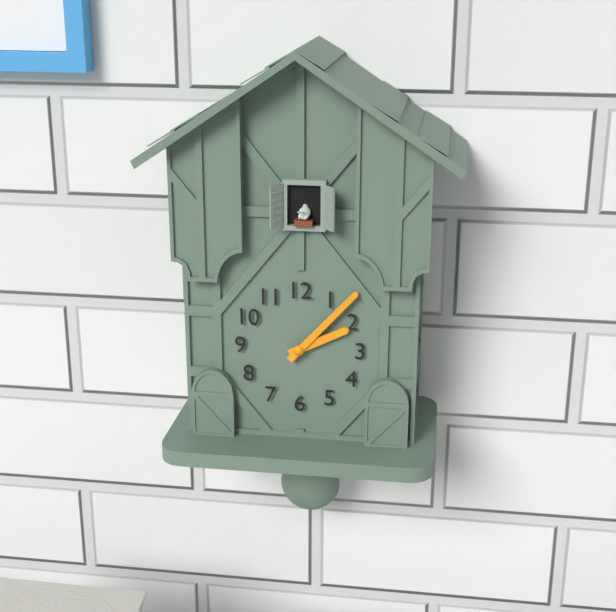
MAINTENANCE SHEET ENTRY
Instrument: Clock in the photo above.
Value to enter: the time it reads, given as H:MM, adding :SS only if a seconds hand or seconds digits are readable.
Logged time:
2:07
